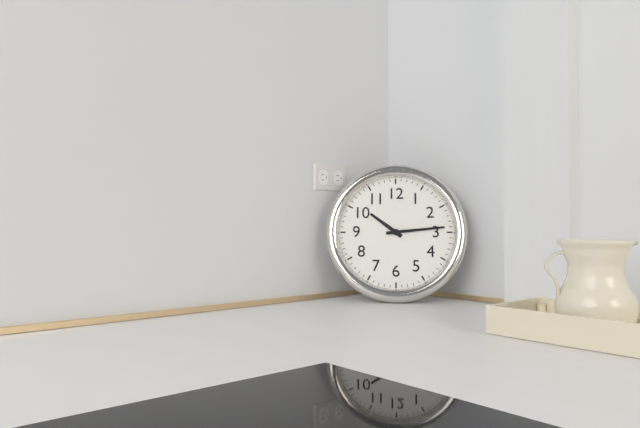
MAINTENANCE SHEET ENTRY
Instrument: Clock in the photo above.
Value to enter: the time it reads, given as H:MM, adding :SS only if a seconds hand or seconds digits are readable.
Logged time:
10:14
